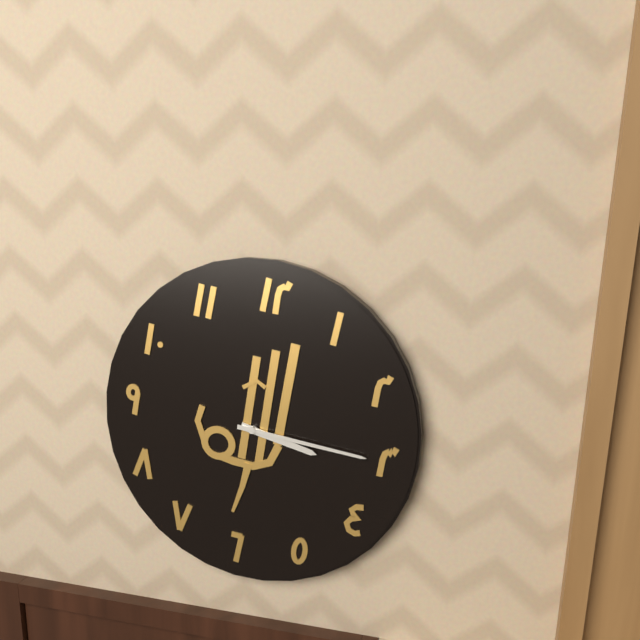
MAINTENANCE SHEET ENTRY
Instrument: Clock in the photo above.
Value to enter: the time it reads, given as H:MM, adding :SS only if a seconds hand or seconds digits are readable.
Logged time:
3:15
